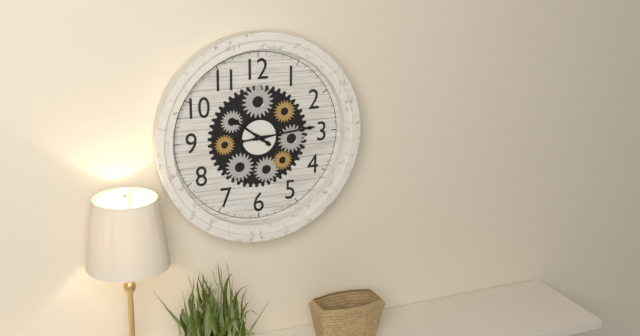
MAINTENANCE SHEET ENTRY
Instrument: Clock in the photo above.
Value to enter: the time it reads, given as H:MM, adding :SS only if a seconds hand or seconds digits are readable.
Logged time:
10:14
